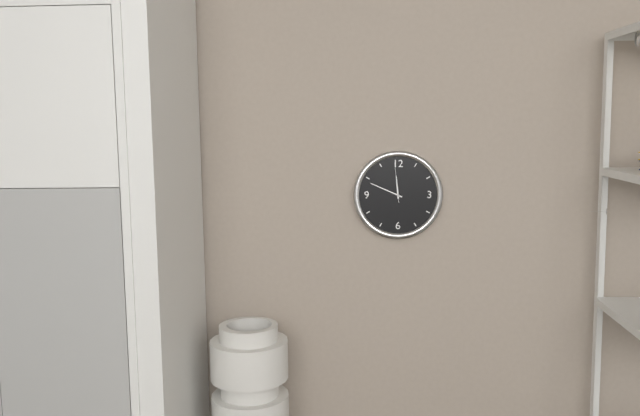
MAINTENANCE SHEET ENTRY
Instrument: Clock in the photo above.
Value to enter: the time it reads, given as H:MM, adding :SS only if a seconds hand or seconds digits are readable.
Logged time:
11:49
